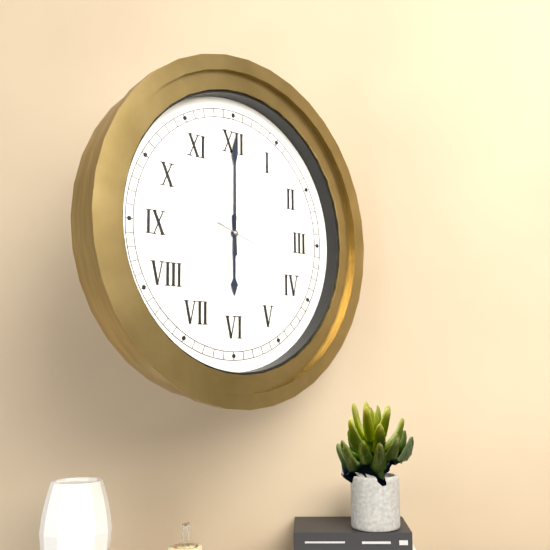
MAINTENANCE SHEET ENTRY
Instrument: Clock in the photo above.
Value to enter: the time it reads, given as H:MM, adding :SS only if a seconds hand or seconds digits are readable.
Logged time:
6:00:18
